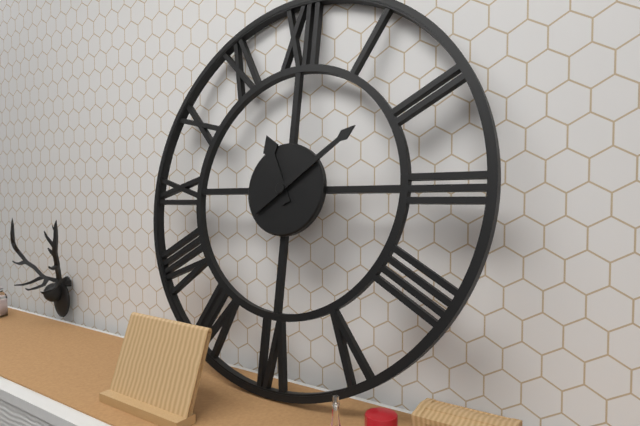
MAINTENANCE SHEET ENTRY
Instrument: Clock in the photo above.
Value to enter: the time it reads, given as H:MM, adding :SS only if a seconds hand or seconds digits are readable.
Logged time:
11:09
